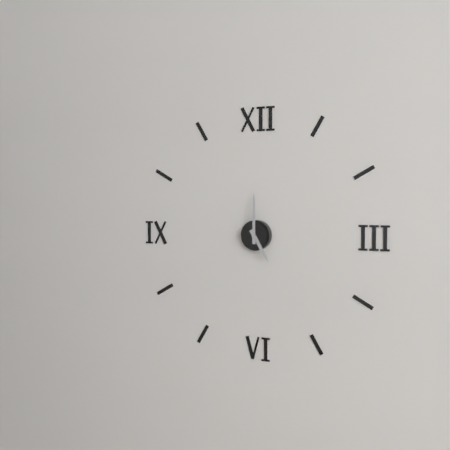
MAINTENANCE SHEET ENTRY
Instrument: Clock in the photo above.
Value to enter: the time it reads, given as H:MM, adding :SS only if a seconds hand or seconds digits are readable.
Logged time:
5:00
